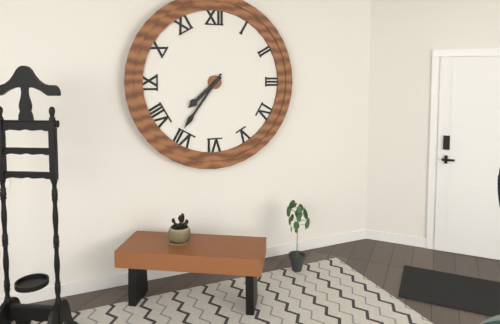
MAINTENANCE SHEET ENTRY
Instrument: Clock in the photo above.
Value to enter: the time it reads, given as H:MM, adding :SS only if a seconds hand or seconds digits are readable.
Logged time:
7:36
